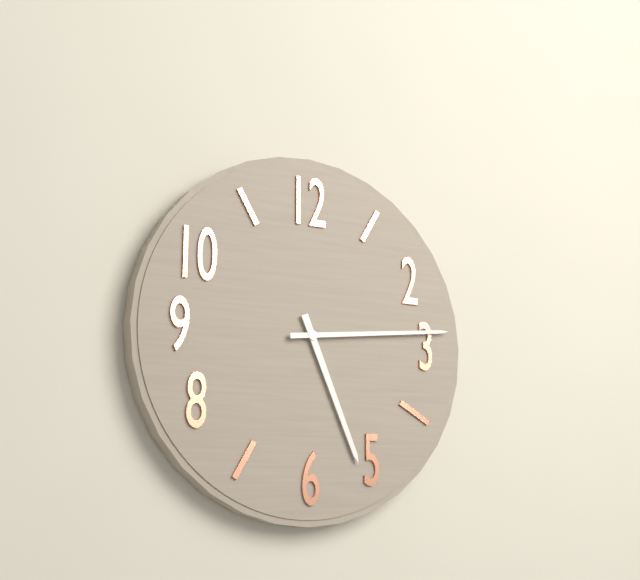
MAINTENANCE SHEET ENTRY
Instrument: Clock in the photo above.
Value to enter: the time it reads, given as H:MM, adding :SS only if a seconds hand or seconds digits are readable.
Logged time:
5:14
